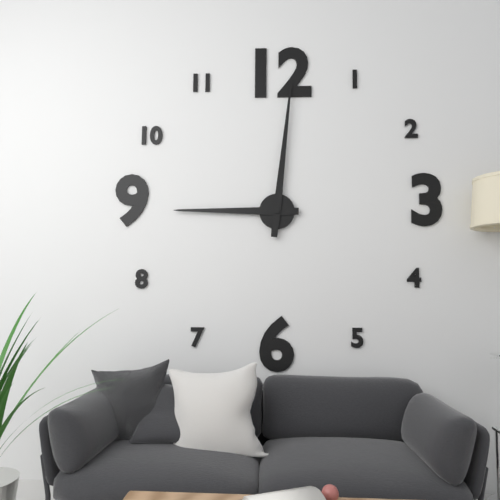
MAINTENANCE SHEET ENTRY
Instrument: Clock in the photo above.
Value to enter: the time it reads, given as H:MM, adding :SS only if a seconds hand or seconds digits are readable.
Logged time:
9:01
